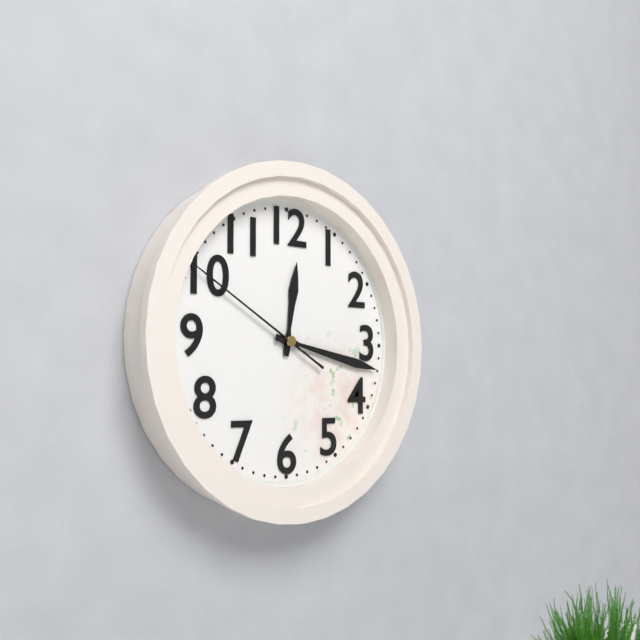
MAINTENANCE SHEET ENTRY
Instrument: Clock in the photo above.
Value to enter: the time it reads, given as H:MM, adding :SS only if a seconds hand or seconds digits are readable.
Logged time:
12:17:50
